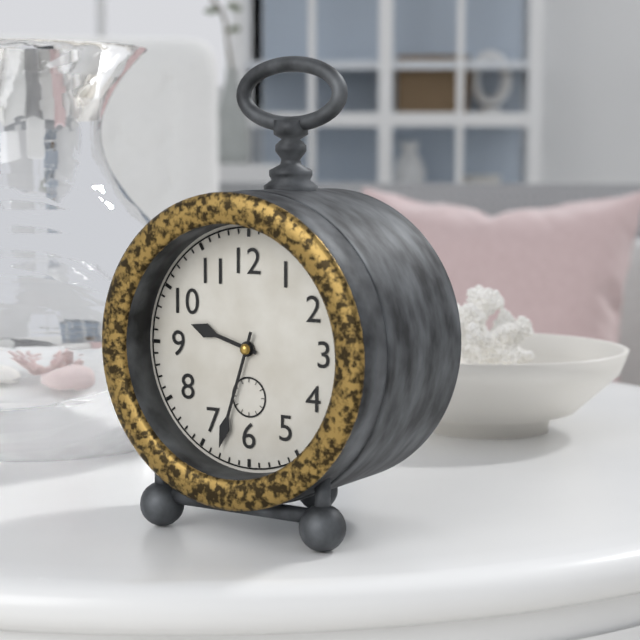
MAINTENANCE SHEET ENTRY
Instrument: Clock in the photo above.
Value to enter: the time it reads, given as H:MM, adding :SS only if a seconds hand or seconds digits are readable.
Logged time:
9:33
